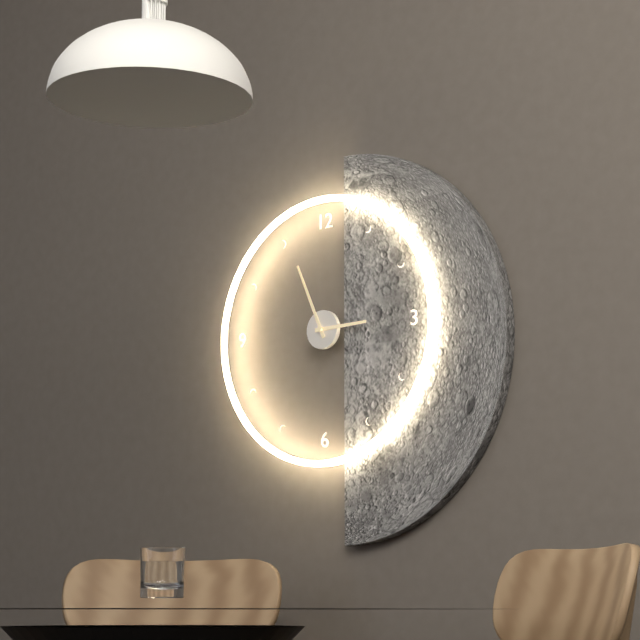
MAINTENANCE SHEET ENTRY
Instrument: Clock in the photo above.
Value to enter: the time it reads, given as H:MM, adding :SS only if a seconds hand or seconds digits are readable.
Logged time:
2:56
